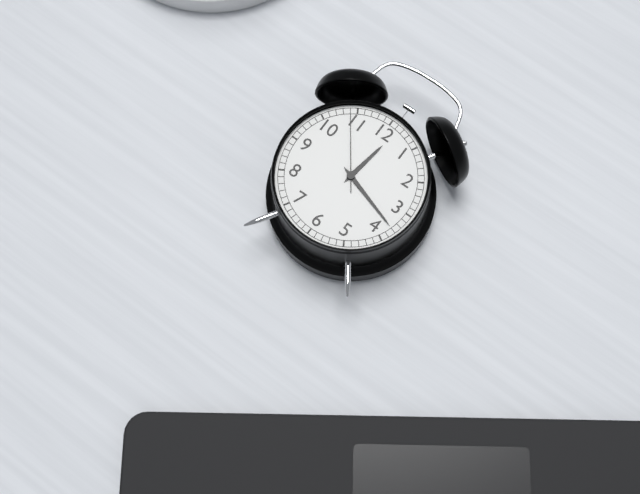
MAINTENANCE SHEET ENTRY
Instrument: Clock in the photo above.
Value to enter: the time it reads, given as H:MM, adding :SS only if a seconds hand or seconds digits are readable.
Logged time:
12:18:54
